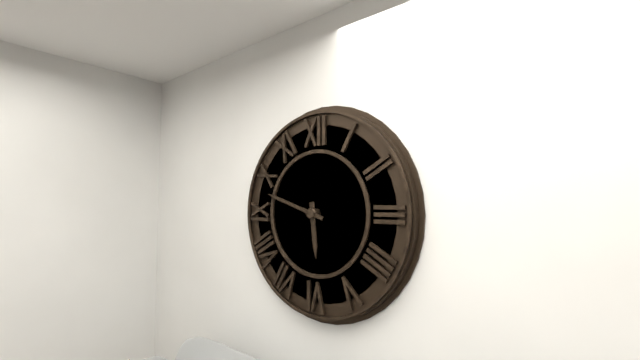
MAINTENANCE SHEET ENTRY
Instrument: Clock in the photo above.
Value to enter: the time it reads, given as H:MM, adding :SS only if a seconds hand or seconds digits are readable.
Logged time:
5:48
